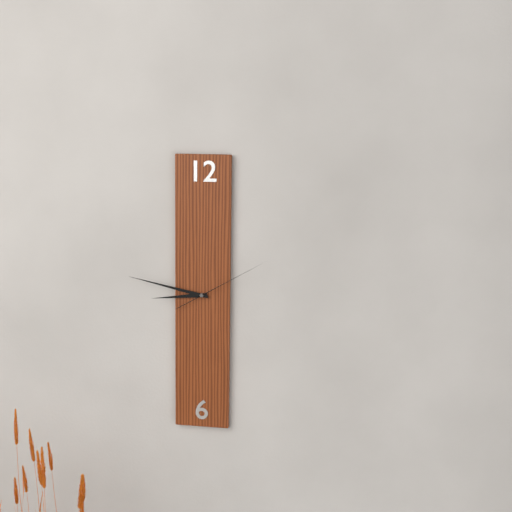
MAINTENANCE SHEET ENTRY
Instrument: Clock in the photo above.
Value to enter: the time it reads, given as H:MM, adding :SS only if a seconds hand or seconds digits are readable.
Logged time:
8:47:10
